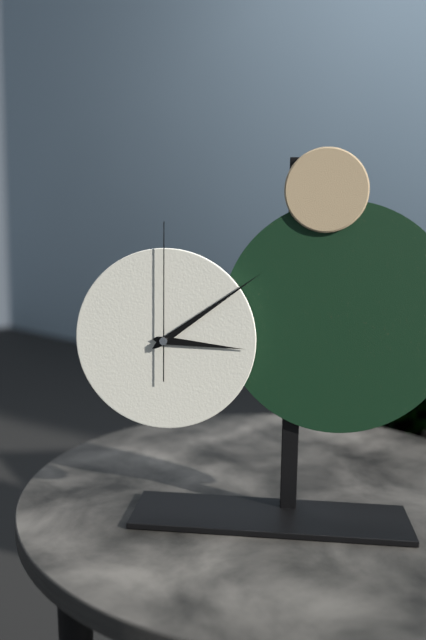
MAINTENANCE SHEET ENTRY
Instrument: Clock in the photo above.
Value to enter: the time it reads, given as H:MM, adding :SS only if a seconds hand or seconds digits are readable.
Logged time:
3:09:00
